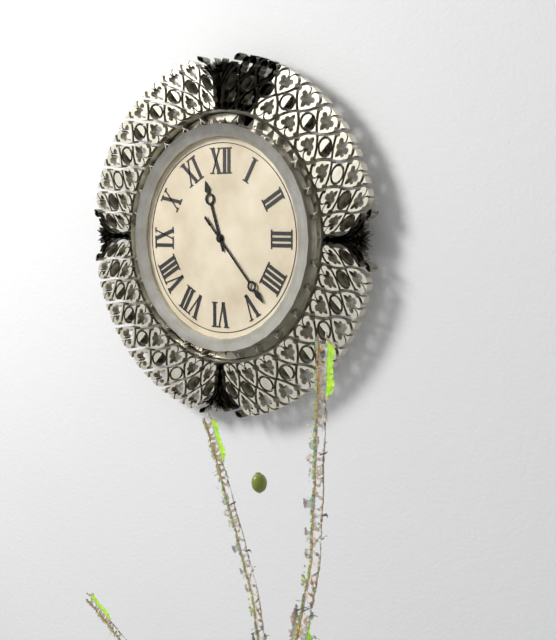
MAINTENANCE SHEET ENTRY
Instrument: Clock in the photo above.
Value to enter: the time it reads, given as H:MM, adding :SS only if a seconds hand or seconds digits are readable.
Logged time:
11:23
